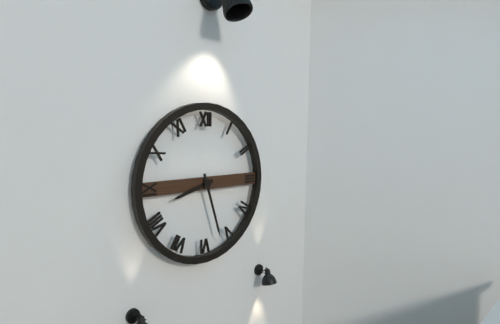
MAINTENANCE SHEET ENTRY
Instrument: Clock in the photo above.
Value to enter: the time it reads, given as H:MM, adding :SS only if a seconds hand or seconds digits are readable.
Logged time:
8:27
